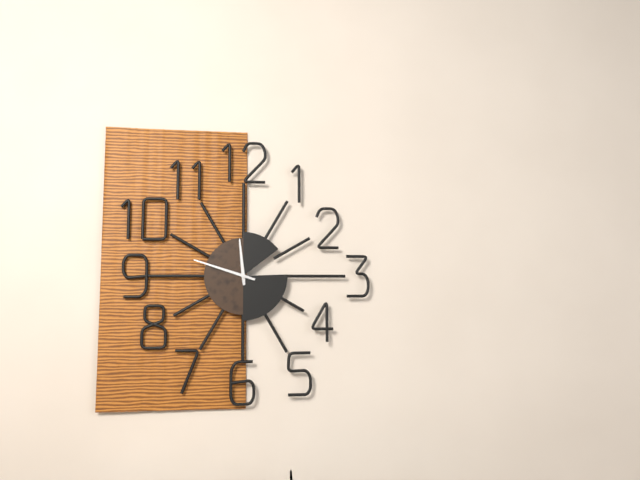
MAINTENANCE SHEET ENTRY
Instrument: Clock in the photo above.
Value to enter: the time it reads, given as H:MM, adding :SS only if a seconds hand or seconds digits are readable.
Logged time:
11:48
